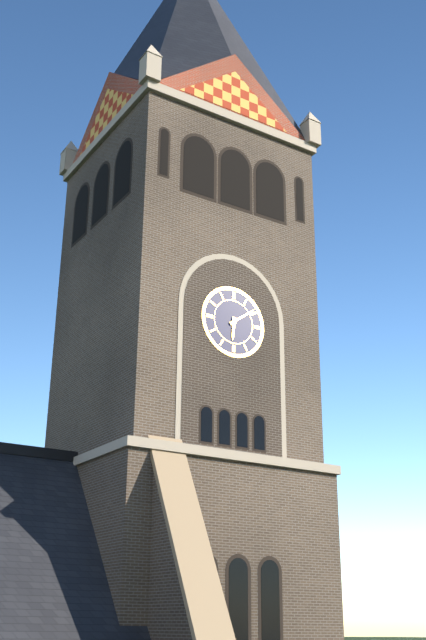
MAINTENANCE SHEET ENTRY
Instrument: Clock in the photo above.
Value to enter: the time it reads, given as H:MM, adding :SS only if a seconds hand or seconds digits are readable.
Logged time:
6:09
